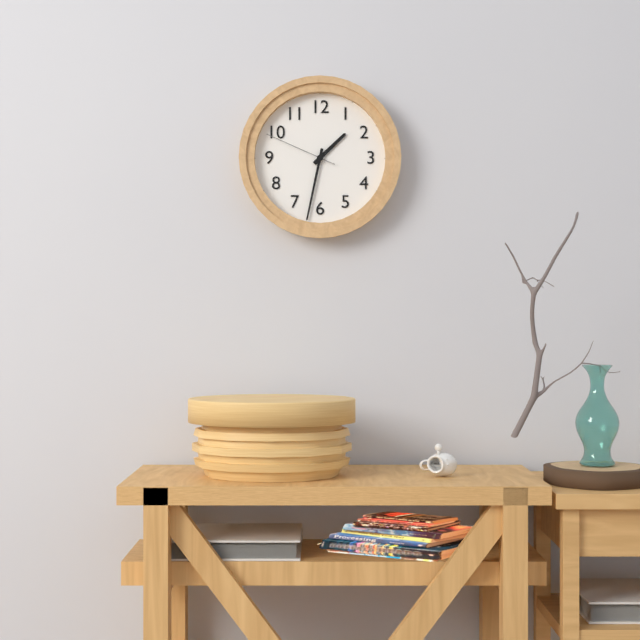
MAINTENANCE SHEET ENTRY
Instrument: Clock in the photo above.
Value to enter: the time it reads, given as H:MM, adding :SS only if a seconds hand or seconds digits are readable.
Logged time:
1:32:49
